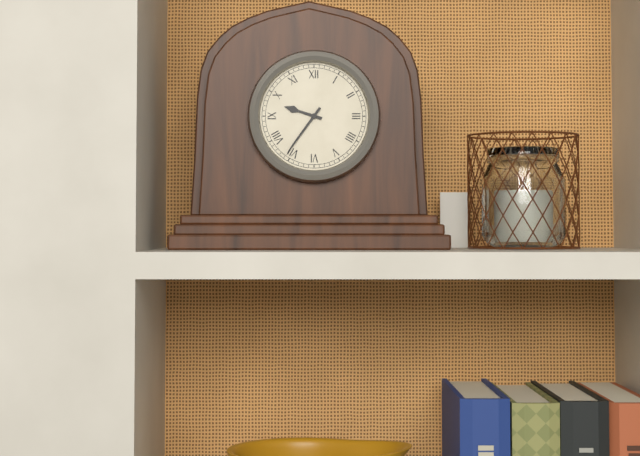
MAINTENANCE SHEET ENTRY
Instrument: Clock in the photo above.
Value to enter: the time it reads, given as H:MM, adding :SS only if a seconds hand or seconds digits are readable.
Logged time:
9:36
